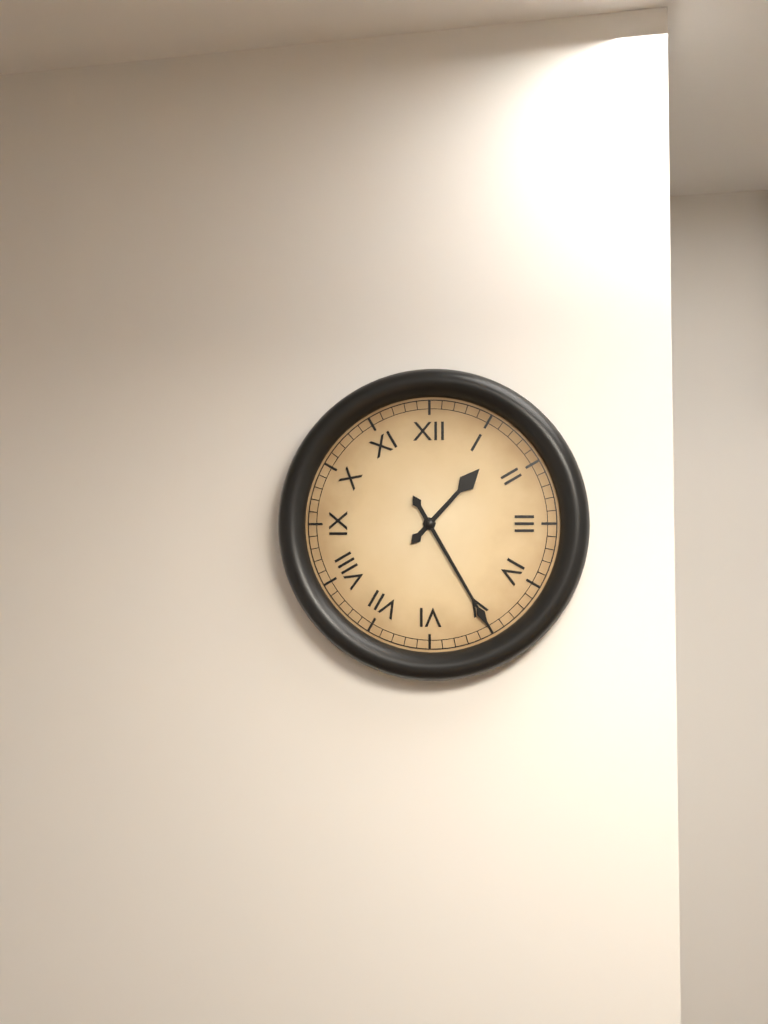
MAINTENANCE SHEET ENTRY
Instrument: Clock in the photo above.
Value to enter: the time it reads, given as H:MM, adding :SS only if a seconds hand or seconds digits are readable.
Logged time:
1:25
